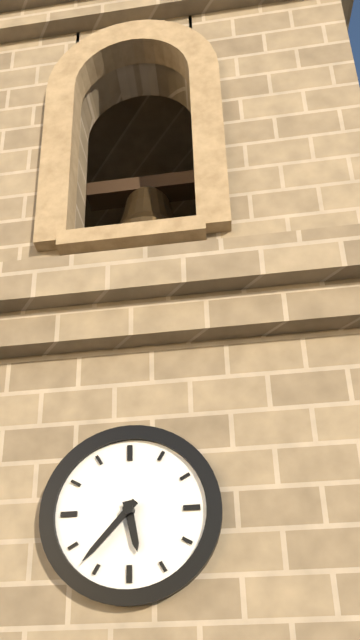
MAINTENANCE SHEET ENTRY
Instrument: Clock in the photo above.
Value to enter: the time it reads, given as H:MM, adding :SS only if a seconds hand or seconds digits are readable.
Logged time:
5:37
